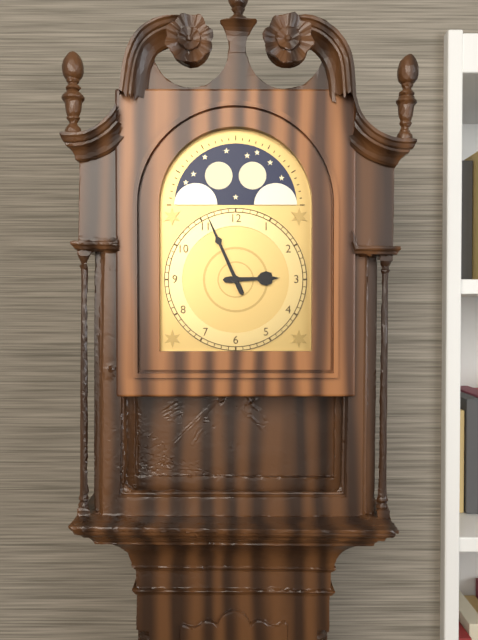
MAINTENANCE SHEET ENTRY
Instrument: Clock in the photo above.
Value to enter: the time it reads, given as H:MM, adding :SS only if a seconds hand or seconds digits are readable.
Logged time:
2:56
